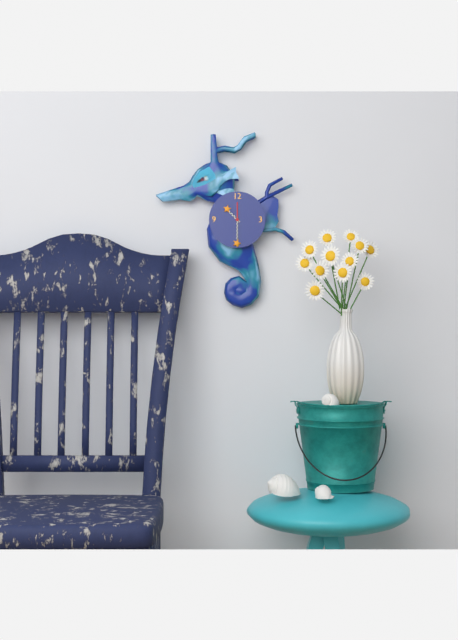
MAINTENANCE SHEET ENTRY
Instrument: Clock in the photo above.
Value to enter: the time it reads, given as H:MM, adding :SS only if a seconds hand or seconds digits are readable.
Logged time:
10:30
